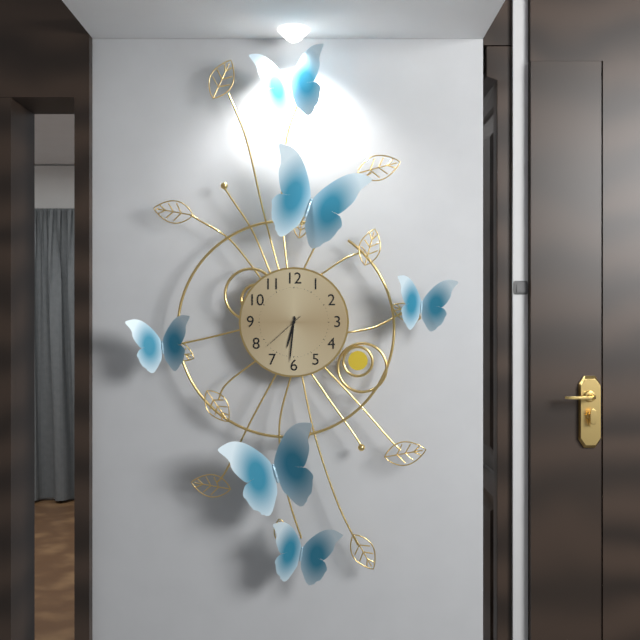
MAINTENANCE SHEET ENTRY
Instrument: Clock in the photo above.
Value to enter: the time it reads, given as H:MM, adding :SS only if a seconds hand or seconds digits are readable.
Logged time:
6:31
